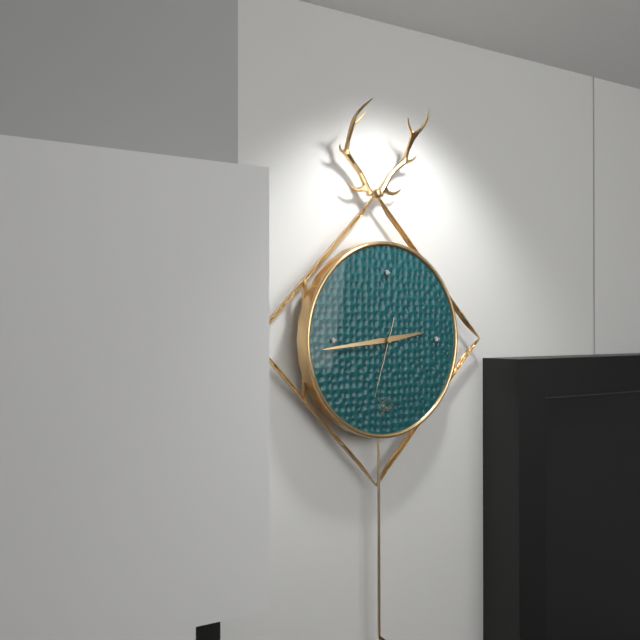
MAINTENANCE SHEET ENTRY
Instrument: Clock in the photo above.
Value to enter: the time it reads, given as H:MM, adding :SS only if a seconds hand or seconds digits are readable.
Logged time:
2:44:33
